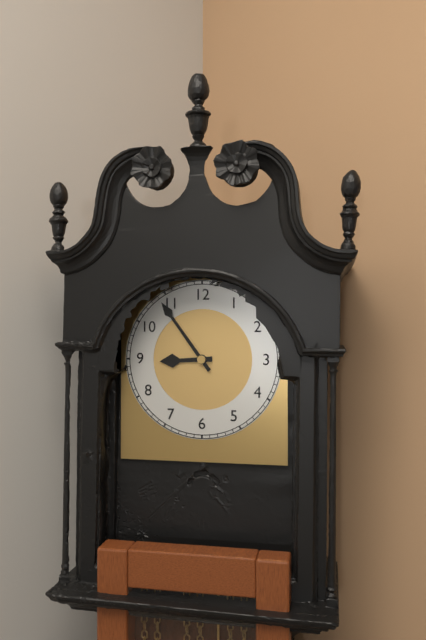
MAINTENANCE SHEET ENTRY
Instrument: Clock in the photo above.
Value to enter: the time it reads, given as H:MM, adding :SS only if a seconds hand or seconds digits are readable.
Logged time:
8:54
